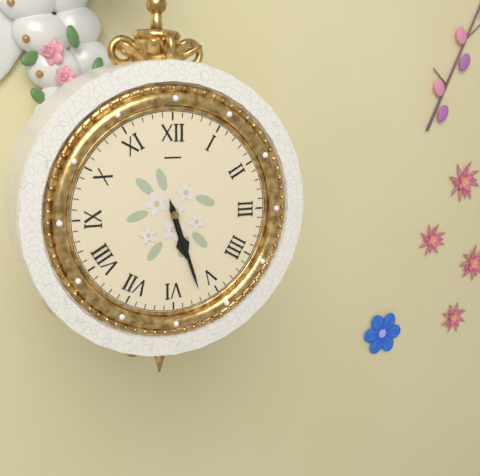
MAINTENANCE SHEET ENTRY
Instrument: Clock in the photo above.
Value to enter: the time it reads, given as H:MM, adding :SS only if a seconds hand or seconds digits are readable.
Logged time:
5:27
